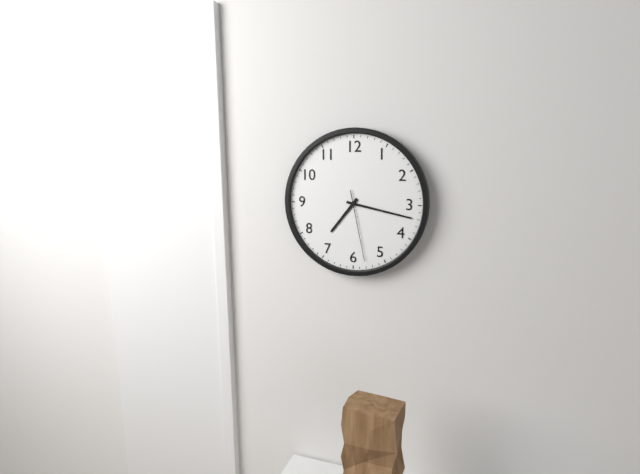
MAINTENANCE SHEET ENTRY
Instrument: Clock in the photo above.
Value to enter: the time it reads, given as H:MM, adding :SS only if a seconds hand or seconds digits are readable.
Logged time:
7:17:28
